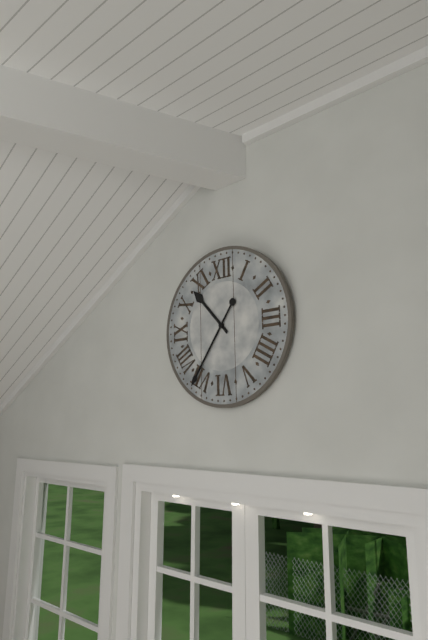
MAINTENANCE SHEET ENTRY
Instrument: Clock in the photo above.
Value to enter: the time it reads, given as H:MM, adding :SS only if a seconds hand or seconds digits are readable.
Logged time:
10:36
